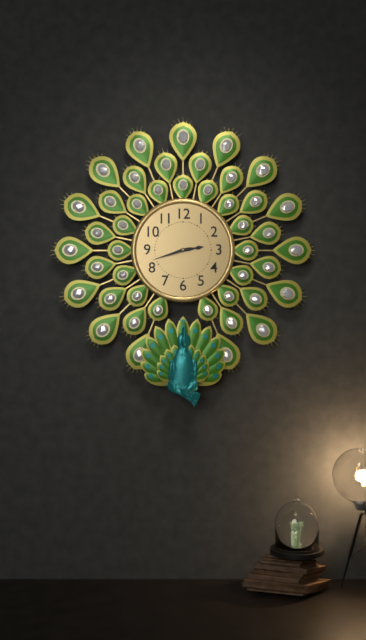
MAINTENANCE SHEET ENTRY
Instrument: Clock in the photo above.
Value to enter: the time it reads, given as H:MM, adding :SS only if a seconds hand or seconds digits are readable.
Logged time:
2:42
